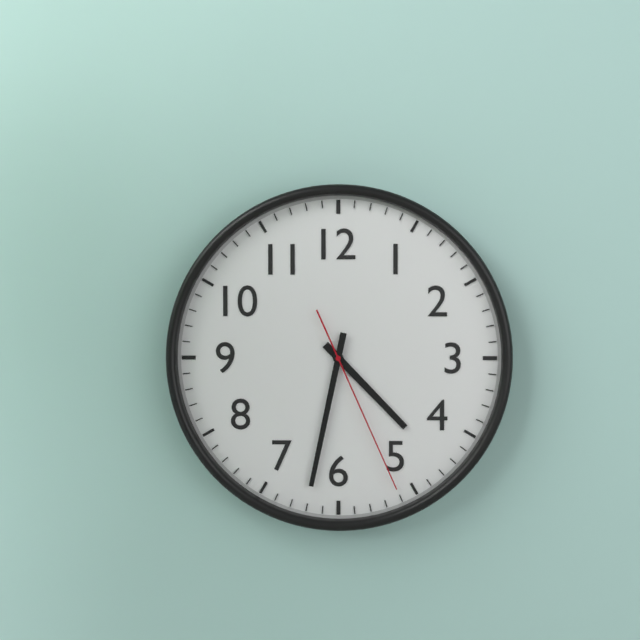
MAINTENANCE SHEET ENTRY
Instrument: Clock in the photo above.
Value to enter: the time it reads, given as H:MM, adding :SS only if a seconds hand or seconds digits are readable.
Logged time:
4:32:26
